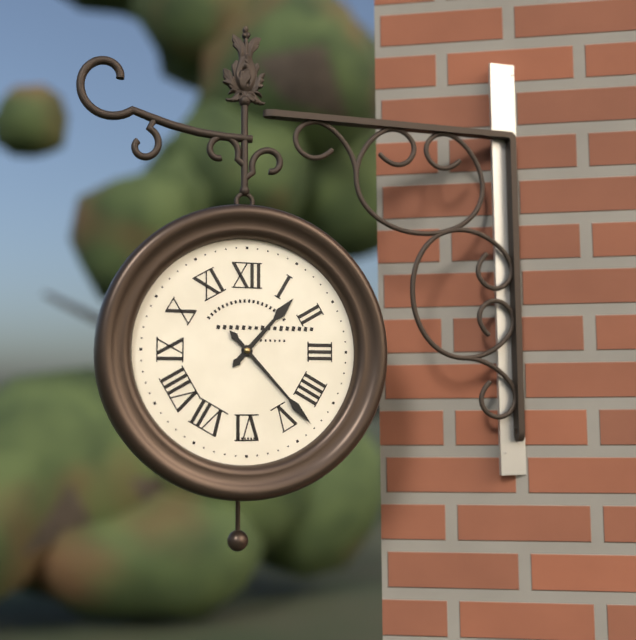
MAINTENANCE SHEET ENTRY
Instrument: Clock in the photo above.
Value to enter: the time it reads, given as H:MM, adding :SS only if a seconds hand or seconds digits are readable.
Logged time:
1:23
